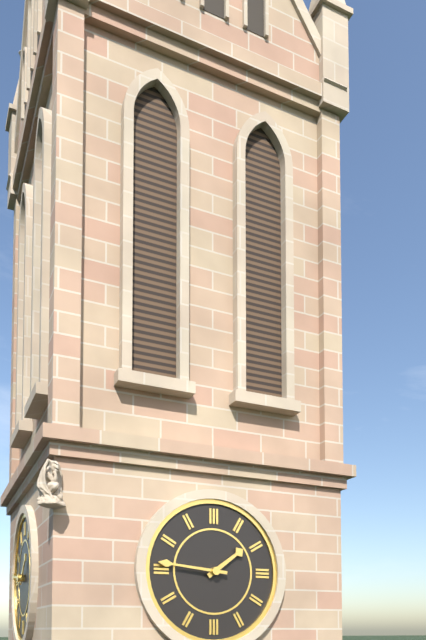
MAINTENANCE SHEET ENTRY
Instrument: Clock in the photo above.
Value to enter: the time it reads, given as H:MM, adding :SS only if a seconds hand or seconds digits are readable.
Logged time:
1:46
